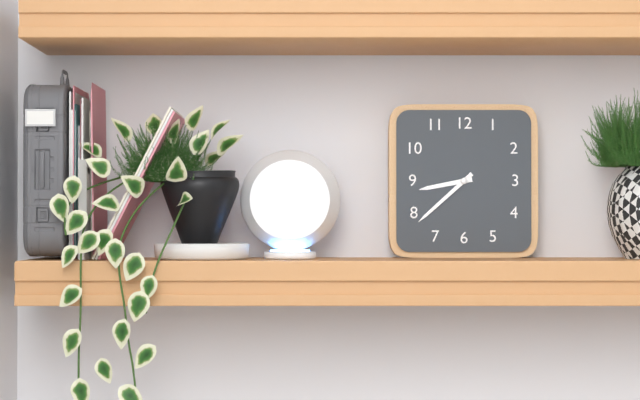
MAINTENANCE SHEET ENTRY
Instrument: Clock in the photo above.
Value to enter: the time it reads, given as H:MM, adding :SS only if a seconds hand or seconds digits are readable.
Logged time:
8:38
